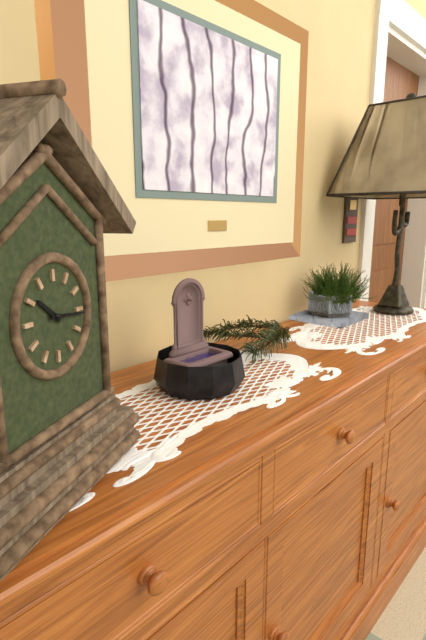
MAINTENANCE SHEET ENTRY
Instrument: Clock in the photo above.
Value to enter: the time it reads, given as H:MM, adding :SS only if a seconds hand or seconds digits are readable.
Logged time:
10:16
